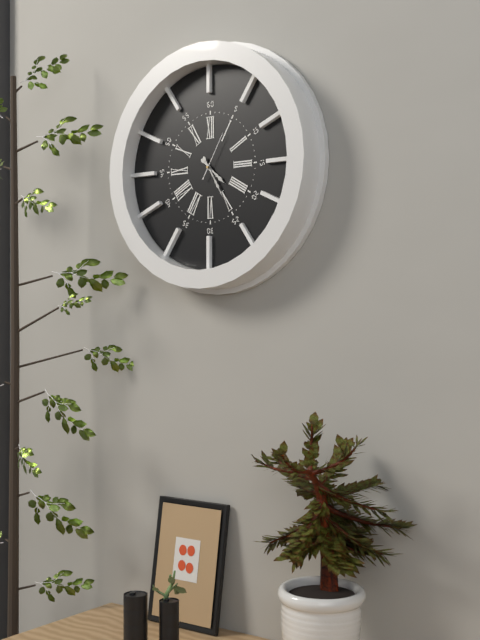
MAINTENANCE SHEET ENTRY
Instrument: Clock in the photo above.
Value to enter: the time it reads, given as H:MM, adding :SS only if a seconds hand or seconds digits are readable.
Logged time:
4:25
